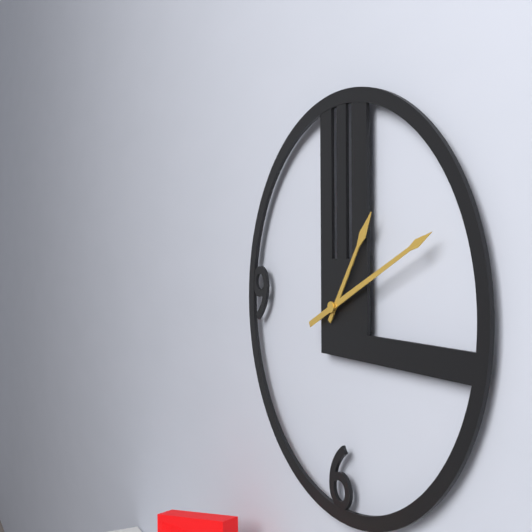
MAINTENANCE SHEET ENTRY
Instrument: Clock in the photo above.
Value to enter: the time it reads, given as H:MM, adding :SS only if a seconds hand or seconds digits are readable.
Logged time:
1:11
